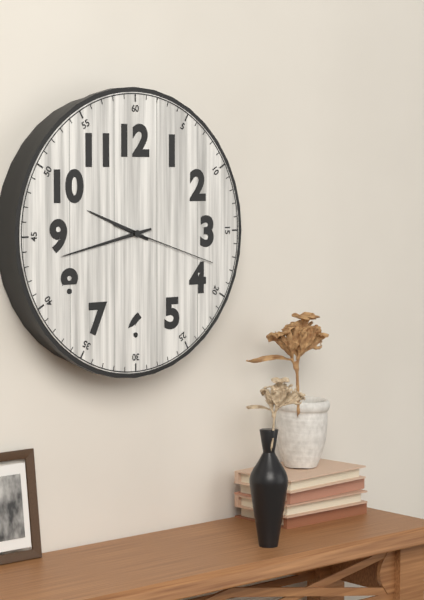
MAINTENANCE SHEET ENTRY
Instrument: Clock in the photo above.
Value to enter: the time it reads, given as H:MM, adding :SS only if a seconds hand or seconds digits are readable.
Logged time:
9:43:18
